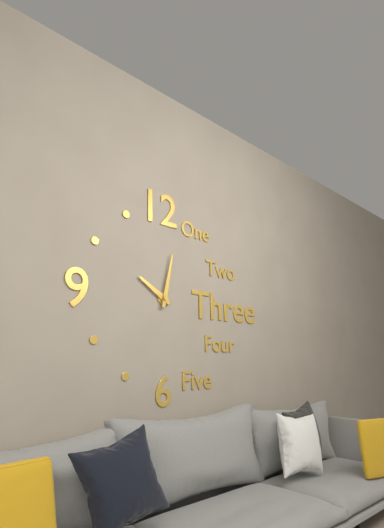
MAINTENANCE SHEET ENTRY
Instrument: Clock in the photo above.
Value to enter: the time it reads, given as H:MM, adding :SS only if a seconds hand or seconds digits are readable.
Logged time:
10:02
